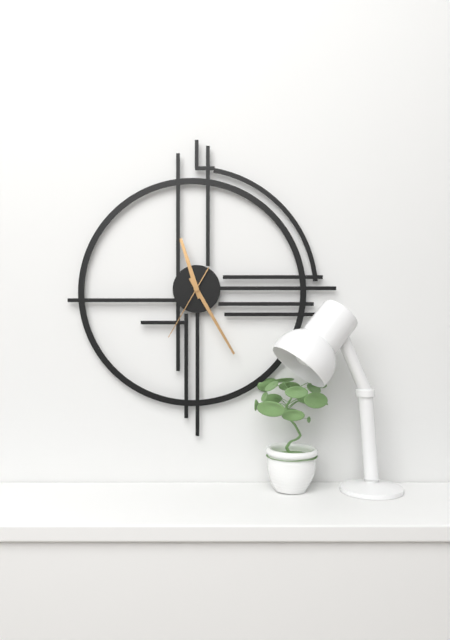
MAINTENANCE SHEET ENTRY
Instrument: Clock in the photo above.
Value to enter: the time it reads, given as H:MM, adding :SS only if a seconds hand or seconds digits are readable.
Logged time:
11:25:35
